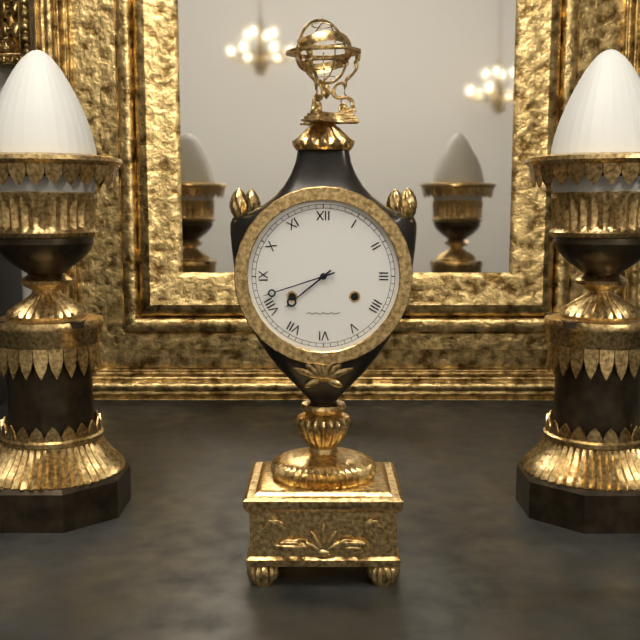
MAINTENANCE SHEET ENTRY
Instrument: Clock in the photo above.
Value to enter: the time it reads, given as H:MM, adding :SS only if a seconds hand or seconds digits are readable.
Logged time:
7:42
